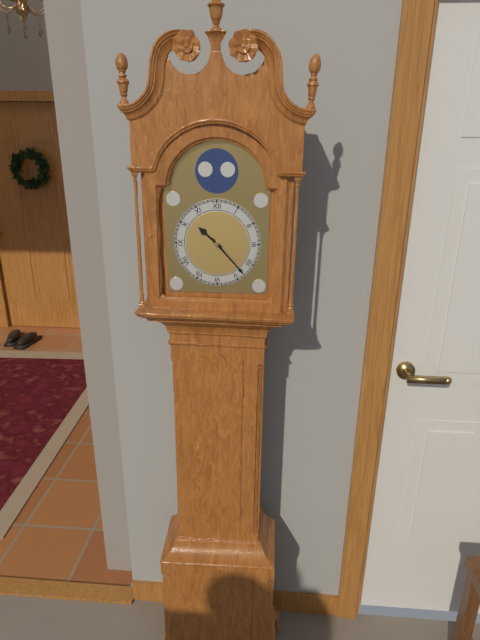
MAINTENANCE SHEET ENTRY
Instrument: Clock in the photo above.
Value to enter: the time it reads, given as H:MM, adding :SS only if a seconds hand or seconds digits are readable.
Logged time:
10:23
